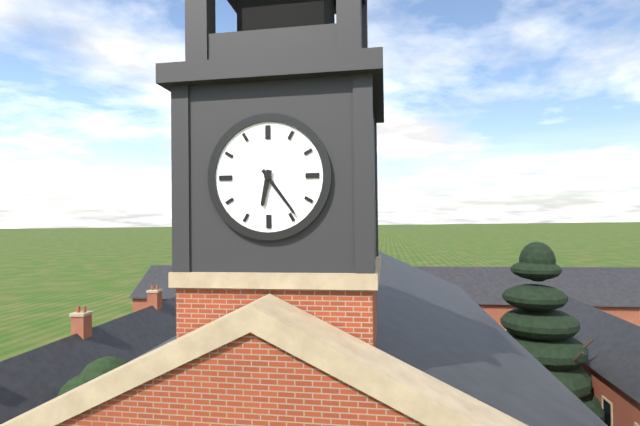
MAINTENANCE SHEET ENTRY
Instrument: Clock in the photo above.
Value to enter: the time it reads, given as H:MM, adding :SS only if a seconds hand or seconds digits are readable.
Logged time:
6:24
